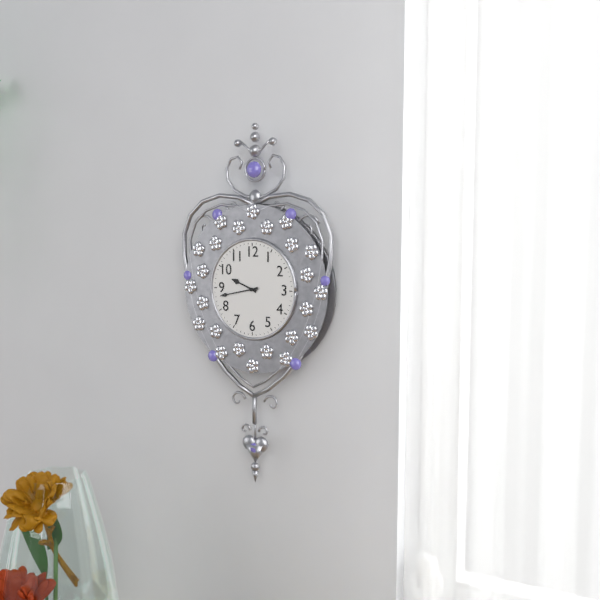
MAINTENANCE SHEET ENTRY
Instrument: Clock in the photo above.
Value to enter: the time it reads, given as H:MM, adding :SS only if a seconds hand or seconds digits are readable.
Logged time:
9:43
